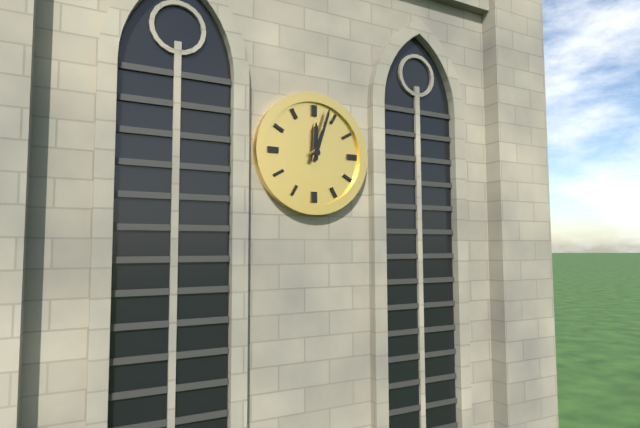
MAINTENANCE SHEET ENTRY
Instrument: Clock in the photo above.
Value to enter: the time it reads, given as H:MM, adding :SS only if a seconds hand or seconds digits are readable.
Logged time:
12:03
